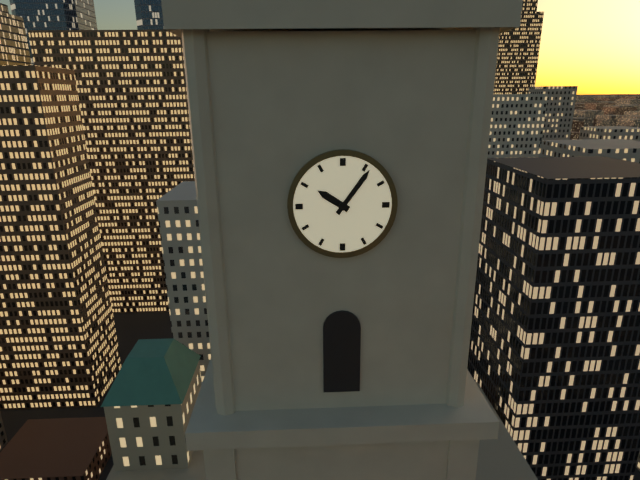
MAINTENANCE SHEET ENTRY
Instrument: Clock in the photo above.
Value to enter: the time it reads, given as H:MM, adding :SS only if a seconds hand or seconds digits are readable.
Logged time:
10:06
